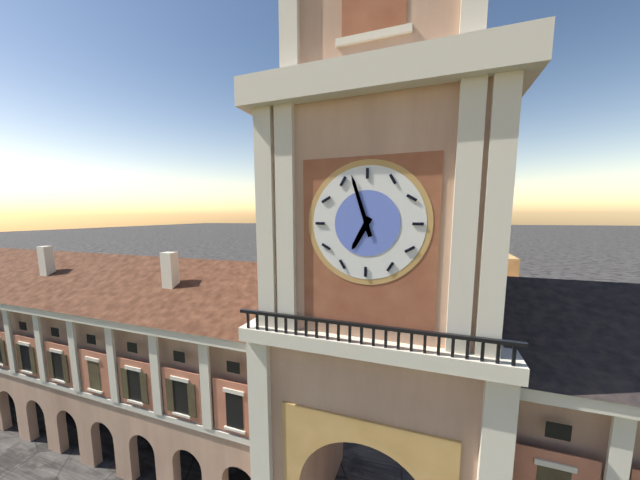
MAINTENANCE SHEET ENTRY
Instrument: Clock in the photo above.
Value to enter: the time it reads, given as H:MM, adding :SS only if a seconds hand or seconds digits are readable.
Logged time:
6:57
